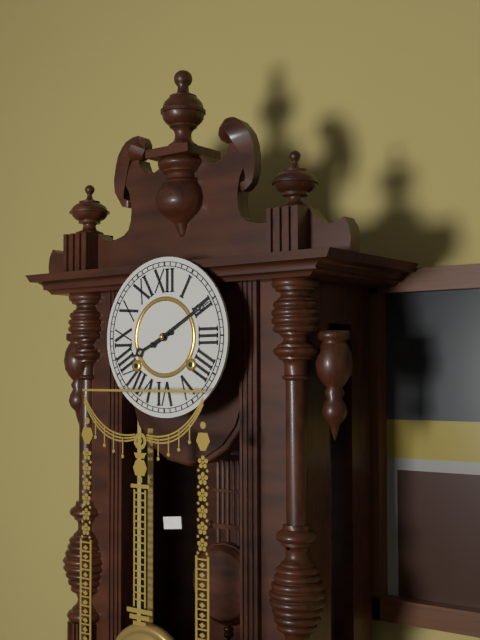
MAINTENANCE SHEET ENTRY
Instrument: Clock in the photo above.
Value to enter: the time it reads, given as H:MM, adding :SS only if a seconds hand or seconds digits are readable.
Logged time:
8:10
